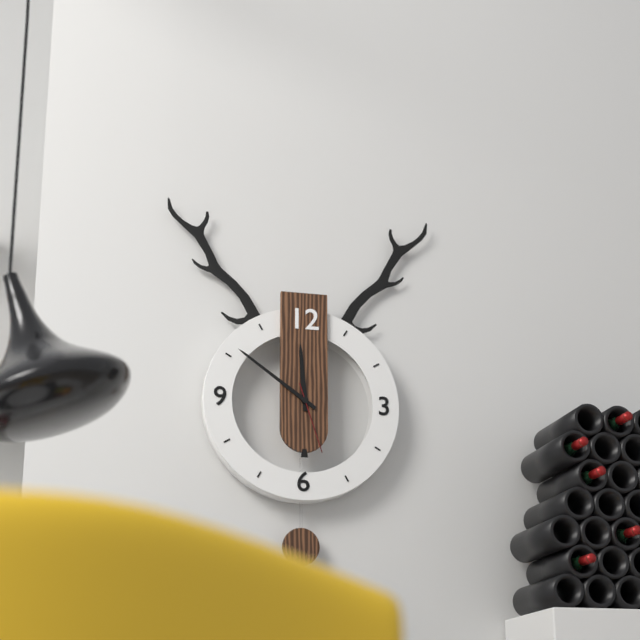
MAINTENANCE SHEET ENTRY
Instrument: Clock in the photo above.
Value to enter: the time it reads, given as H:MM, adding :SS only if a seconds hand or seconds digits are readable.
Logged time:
11:51:27
